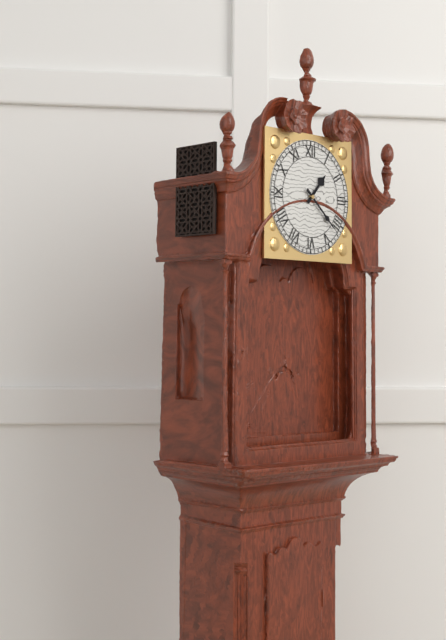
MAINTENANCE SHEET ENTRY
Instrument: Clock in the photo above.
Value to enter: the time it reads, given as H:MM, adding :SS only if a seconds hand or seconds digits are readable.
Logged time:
1:22
